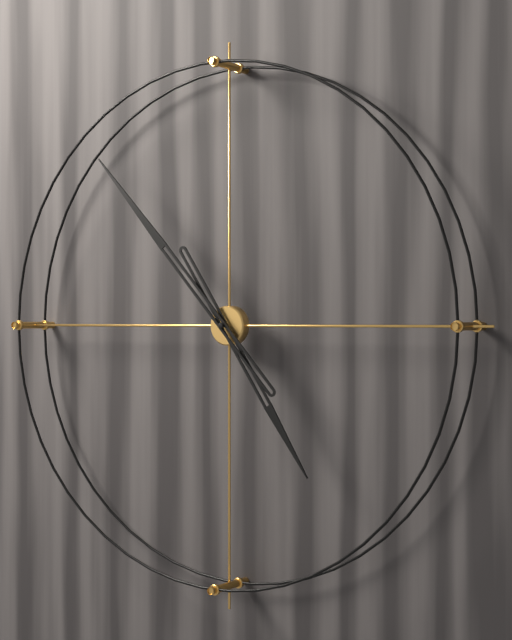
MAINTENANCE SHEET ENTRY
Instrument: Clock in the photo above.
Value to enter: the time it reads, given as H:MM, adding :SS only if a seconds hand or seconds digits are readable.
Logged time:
4:53
